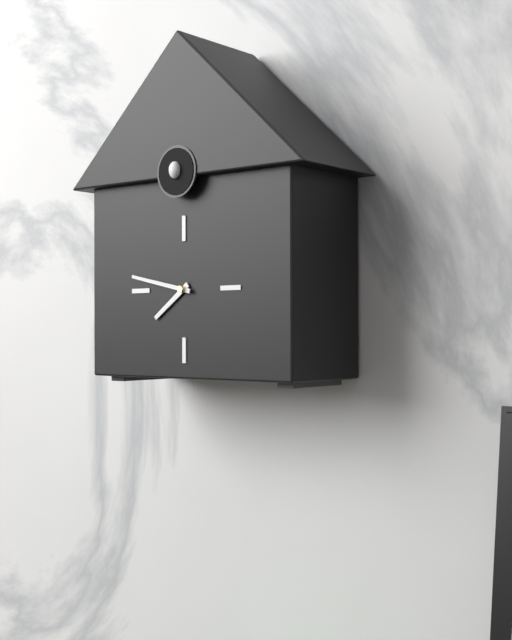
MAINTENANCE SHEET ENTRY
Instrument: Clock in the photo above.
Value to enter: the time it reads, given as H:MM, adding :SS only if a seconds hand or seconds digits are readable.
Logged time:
7:47
